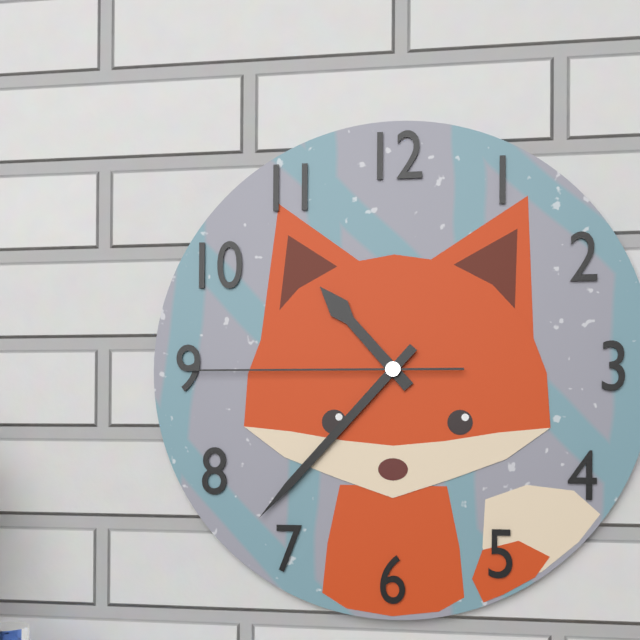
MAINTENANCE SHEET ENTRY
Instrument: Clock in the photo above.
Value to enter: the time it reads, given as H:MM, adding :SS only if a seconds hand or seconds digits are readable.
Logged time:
10:37:45
